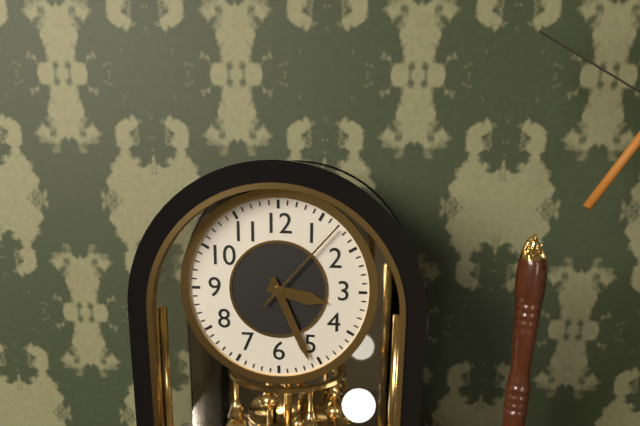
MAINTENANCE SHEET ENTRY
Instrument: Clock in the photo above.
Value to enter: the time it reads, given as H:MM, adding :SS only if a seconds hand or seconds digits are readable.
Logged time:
3:26:07
